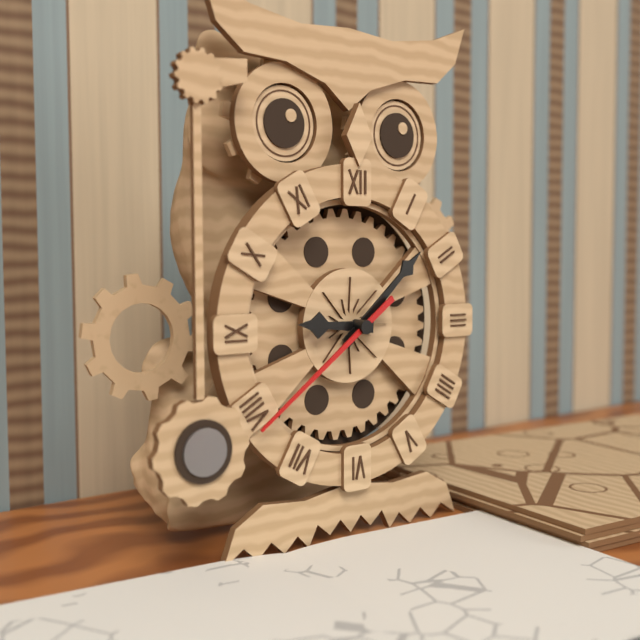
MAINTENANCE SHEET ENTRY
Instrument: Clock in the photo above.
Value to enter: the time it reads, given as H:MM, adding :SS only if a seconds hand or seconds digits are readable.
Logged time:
9:08:39
